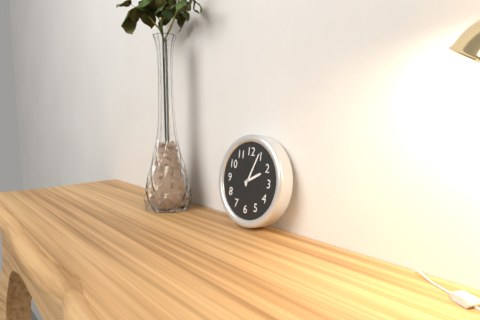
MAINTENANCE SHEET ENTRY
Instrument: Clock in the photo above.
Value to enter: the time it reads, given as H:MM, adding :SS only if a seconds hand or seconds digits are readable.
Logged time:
2:04
